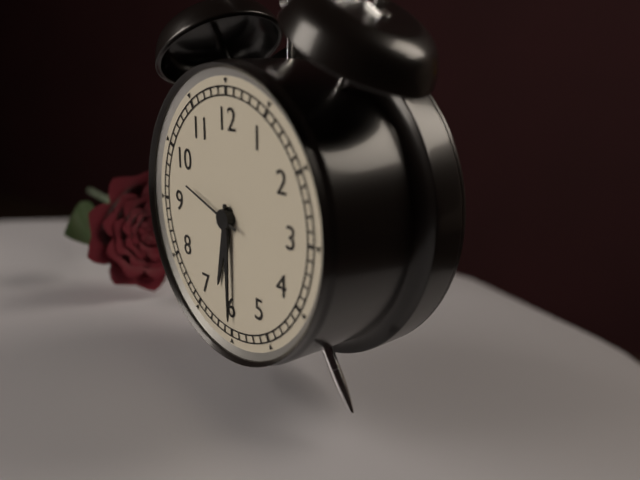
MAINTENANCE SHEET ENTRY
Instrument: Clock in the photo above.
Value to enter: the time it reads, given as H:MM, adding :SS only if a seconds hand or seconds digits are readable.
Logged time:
6:30:48
